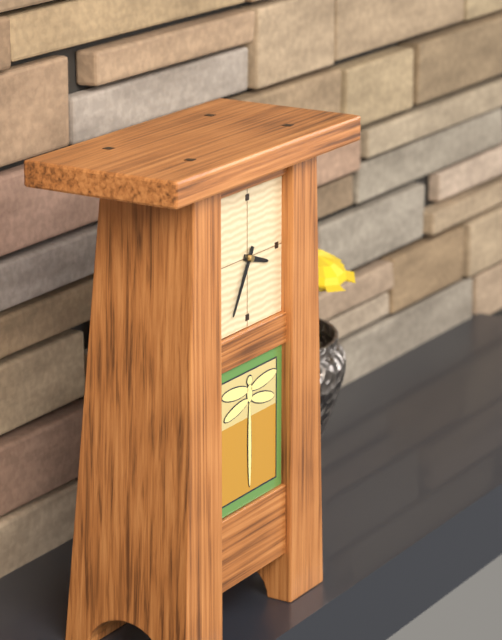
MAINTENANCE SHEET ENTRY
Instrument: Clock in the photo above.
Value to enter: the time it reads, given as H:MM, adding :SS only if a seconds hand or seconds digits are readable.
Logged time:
3:35
